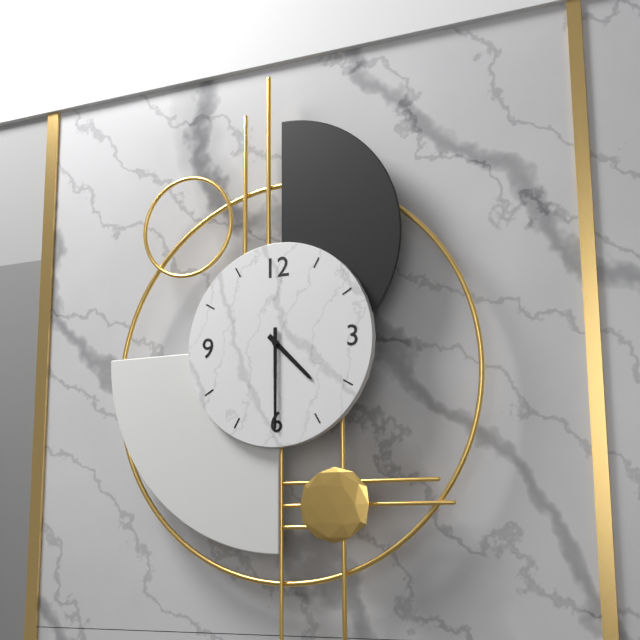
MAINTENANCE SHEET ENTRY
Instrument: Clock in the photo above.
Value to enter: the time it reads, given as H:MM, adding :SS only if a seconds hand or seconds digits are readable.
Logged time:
4:30
